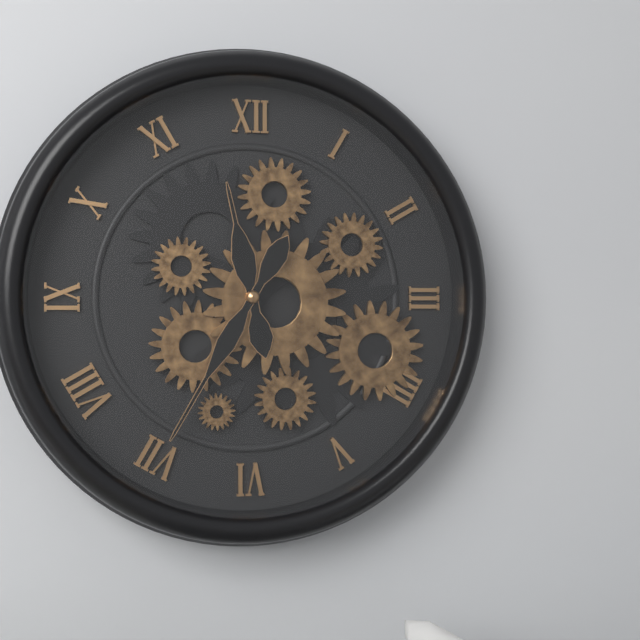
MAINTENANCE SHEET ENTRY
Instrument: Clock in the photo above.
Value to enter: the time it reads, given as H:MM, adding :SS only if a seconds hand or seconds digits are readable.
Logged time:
11:35
